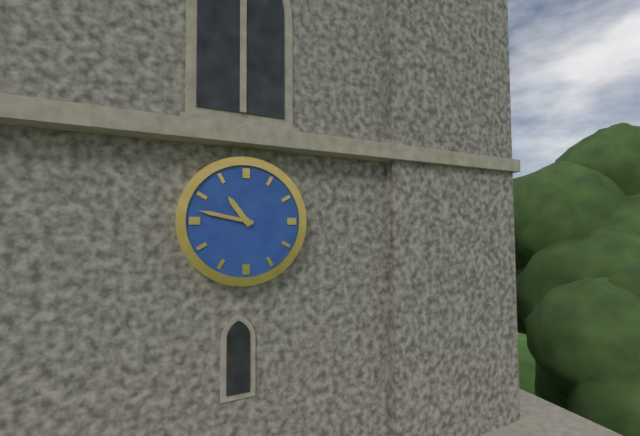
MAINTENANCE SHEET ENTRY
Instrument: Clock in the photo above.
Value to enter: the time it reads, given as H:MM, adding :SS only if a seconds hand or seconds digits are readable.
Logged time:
10:47
